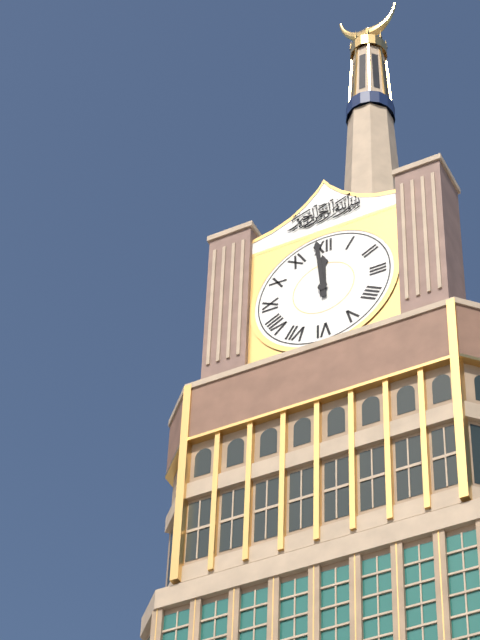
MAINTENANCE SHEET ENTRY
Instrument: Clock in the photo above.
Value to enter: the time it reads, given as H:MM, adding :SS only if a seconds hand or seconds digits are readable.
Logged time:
11:59
